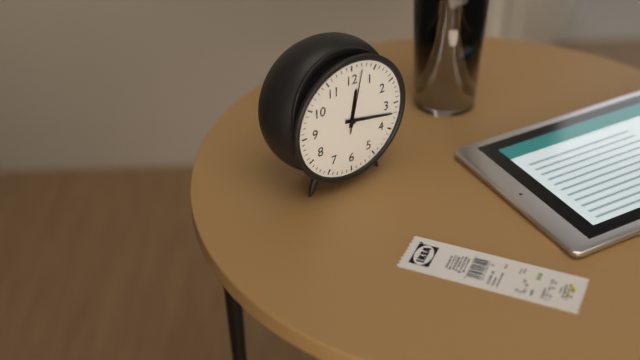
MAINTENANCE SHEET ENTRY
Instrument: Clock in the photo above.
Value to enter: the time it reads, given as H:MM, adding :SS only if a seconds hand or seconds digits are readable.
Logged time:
12:17:02
